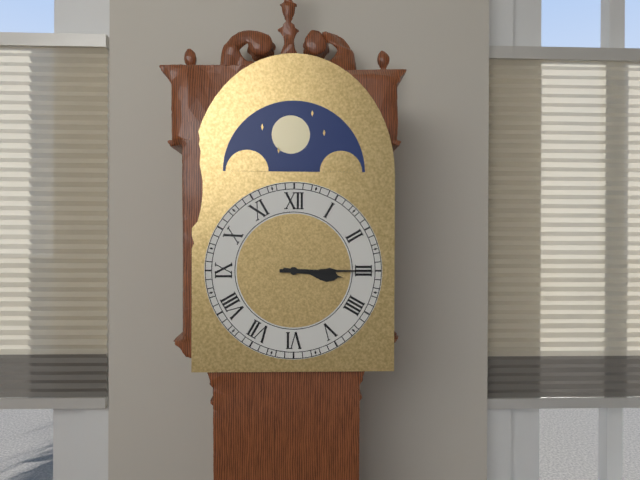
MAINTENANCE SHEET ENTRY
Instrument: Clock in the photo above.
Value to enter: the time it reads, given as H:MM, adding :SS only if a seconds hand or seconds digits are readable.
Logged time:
3:15
